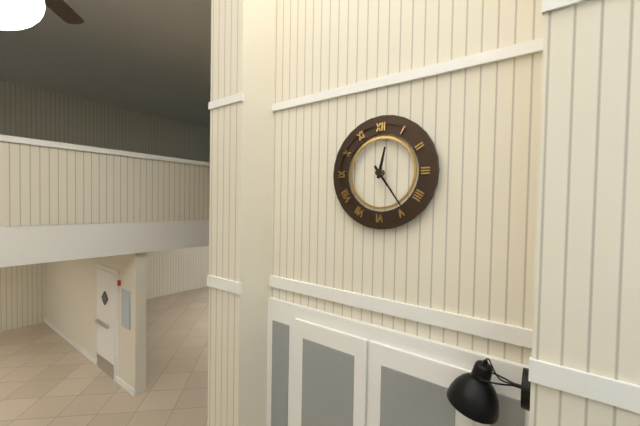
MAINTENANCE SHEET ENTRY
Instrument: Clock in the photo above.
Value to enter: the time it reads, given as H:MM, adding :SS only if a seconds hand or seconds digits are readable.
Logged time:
12:24
